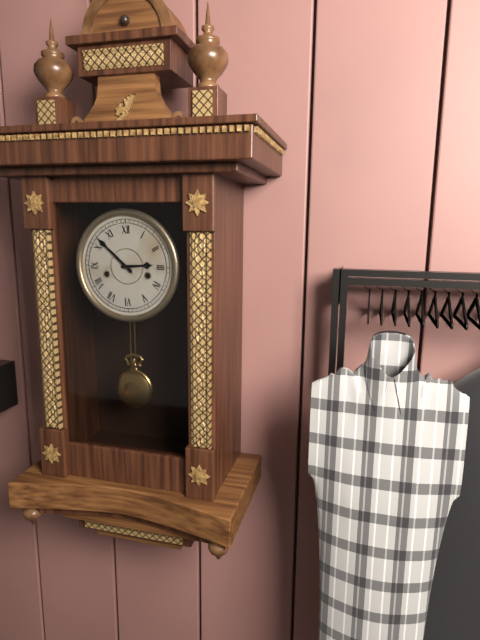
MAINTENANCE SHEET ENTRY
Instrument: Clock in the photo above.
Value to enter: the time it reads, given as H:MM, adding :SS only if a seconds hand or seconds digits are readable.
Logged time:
2:52
